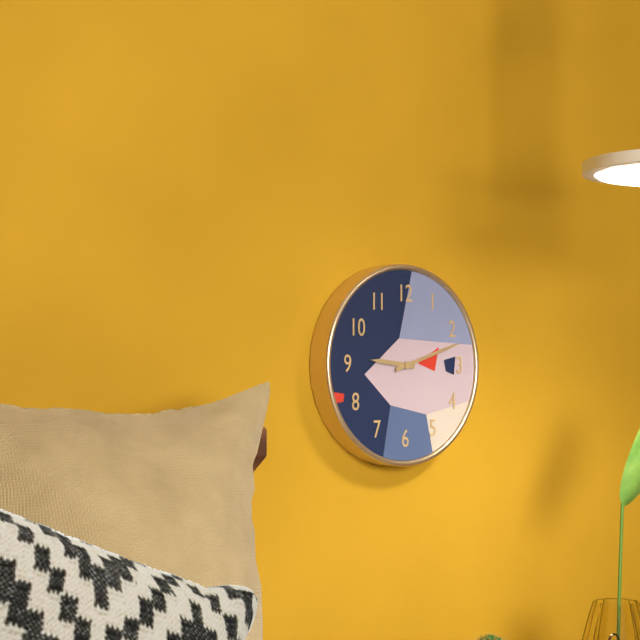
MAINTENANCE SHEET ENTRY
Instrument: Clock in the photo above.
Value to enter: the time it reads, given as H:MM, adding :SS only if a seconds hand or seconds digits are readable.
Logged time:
9:12
